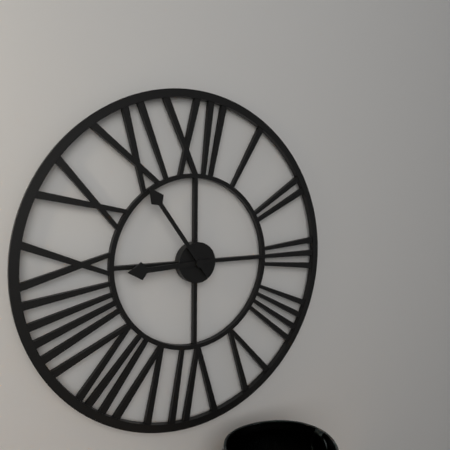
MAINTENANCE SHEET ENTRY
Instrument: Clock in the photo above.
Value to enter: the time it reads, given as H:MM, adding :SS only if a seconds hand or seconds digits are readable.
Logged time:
8:54
